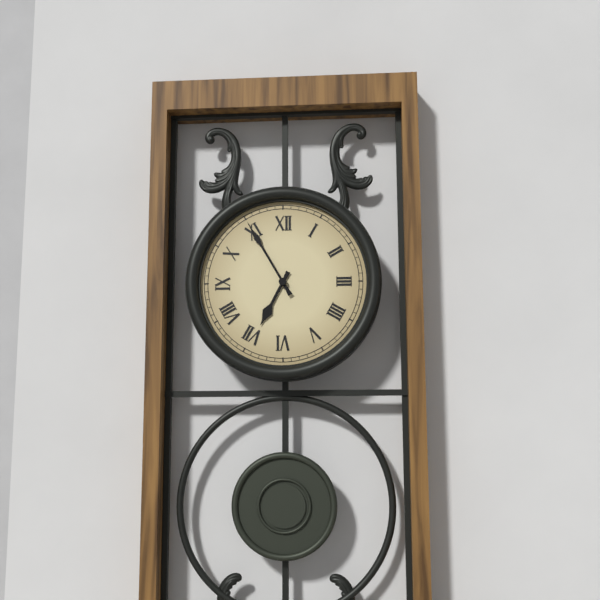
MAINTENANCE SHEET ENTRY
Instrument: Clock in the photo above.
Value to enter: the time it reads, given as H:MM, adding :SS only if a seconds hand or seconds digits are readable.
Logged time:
6:55
